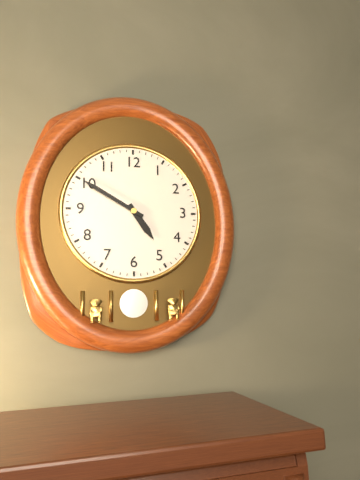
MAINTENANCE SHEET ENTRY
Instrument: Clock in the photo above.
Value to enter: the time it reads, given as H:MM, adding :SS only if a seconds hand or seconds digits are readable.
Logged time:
4:50
